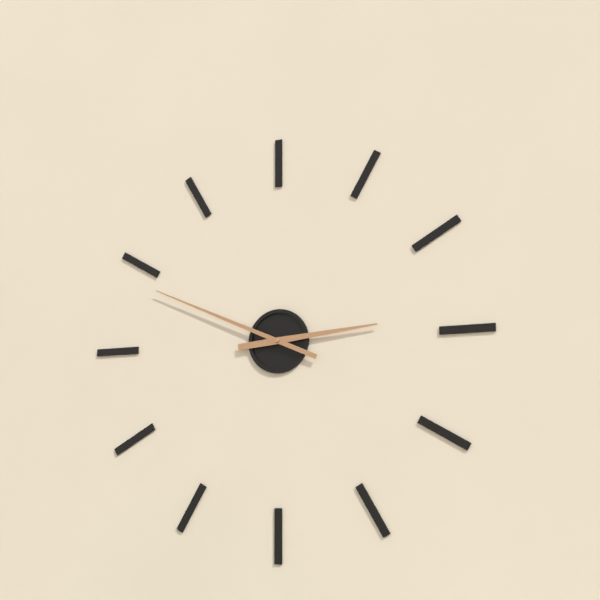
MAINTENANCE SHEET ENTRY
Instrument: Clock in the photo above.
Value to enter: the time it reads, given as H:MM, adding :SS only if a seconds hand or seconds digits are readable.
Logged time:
2:49
